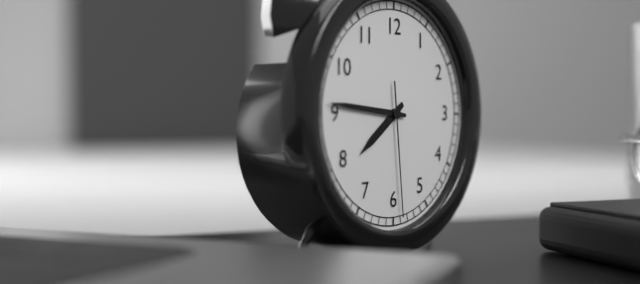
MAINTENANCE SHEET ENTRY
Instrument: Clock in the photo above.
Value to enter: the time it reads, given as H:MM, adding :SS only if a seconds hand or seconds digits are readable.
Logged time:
7:46:29
